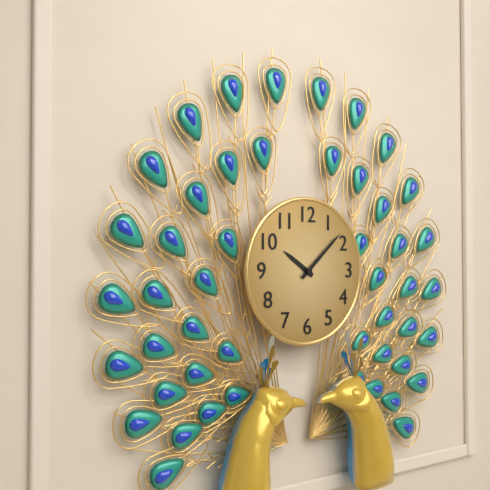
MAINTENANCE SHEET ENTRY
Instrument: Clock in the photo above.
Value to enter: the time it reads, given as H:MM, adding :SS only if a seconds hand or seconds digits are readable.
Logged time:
10:08
